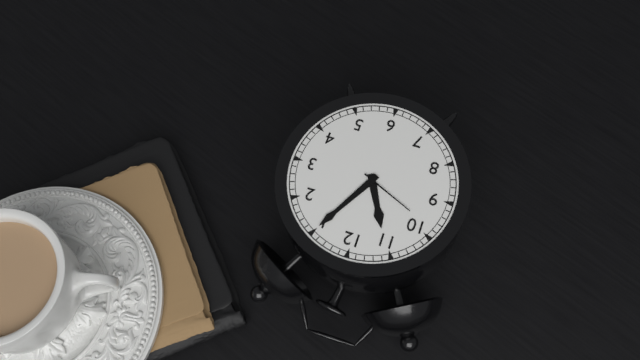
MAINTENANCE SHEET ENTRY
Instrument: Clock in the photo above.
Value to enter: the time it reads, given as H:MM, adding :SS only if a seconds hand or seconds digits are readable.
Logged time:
11:05
